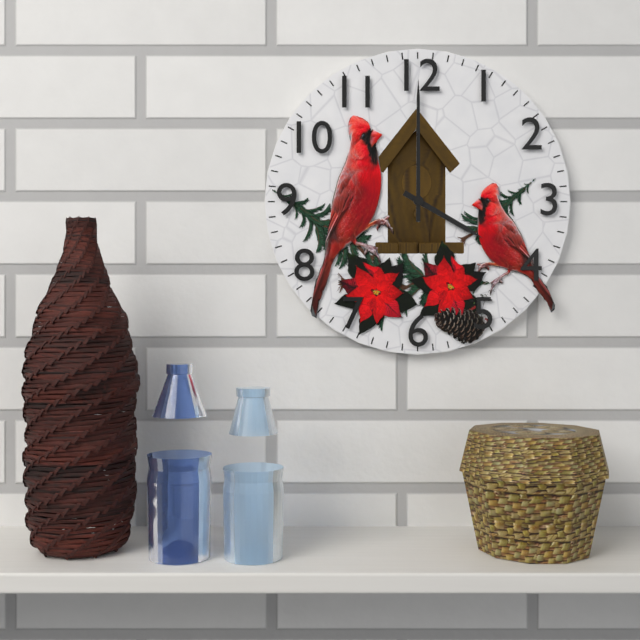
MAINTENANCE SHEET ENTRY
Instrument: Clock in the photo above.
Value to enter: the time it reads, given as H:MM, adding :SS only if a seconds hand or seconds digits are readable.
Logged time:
4:00
